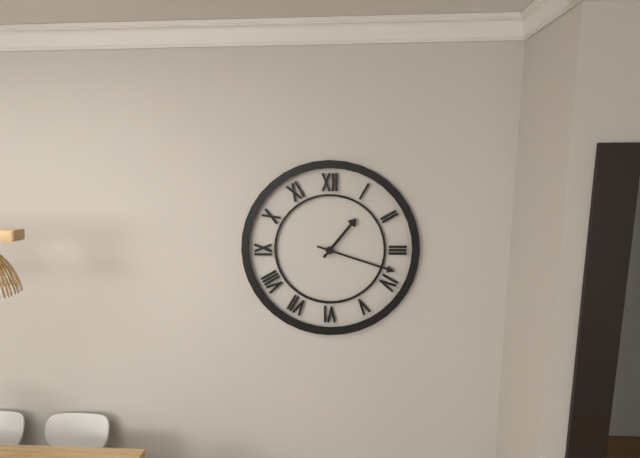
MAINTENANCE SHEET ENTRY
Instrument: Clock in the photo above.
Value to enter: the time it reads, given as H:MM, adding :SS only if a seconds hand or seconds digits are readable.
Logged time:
1:18
